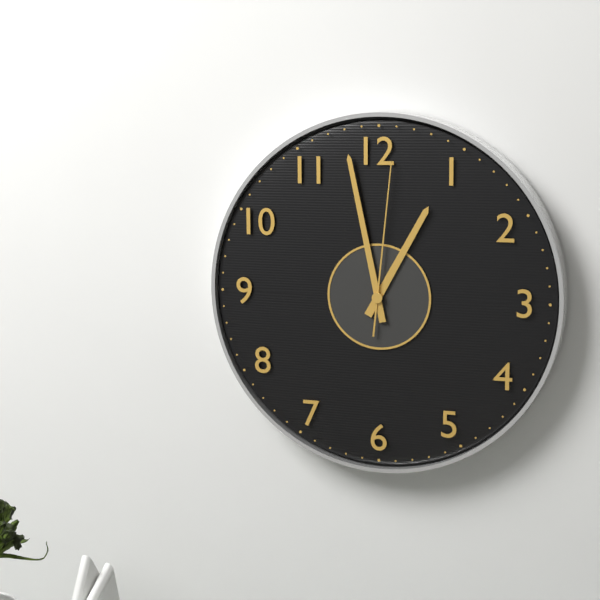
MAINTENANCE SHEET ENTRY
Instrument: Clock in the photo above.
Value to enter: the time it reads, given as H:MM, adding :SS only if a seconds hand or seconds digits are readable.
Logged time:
12:58:01
